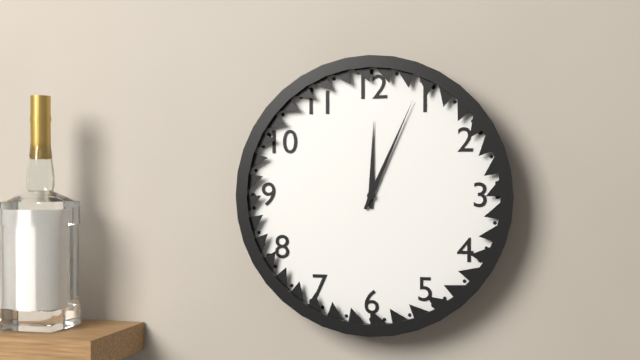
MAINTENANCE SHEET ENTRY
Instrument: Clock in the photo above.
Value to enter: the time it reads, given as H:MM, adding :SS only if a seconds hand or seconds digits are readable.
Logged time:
12:04
